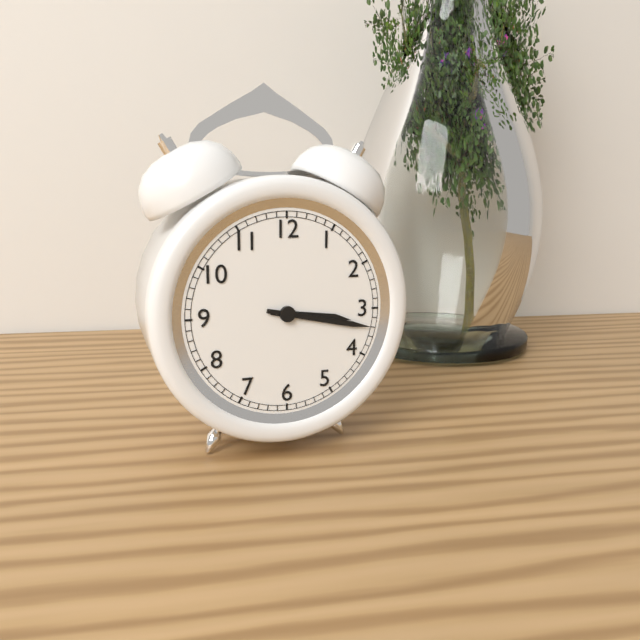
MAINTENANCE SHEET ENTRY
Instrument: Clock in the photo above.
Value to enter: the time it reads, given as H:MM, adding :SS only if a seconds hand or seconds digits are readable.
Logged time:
3:17
